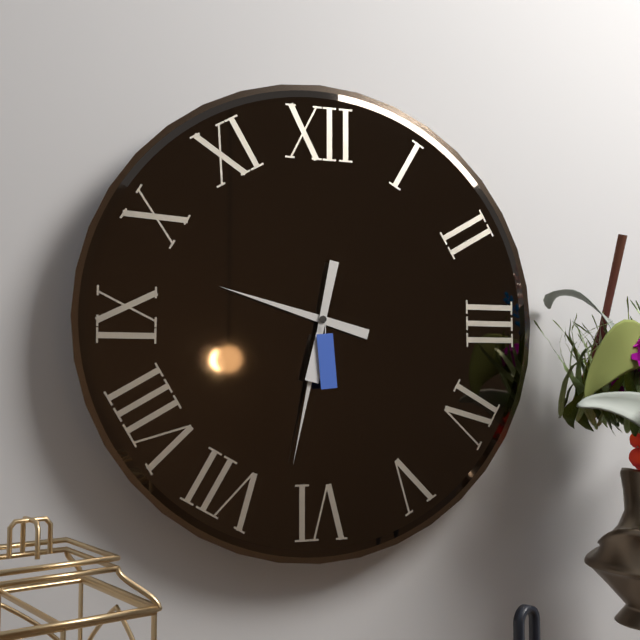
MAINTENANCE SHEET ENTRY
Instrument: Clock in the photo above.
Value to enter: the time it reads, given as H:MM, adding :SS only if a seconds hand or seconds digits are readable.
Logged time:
9:32
